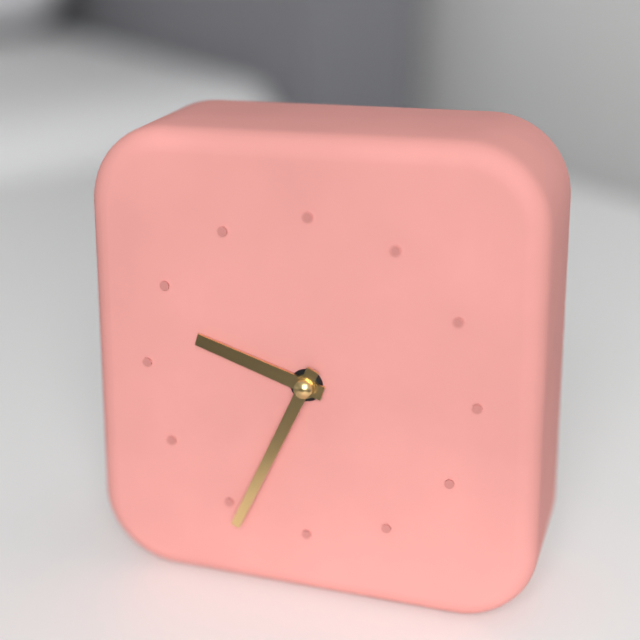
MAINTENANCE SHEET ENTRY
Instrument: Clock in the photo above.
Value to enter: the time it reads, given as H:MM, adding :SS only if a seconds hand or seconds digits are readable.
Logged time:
9:34
